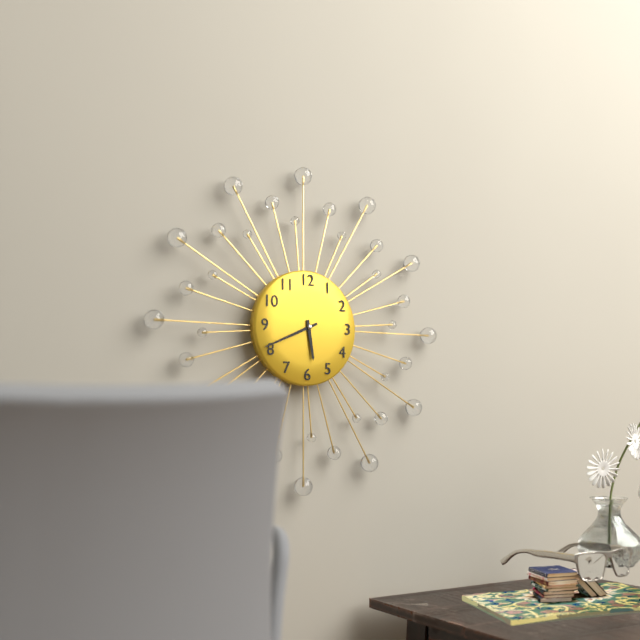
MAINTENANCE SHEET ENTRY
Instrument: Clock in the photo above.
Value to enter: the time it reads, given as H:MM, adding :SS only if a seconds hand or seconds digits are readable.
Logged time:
5:41
